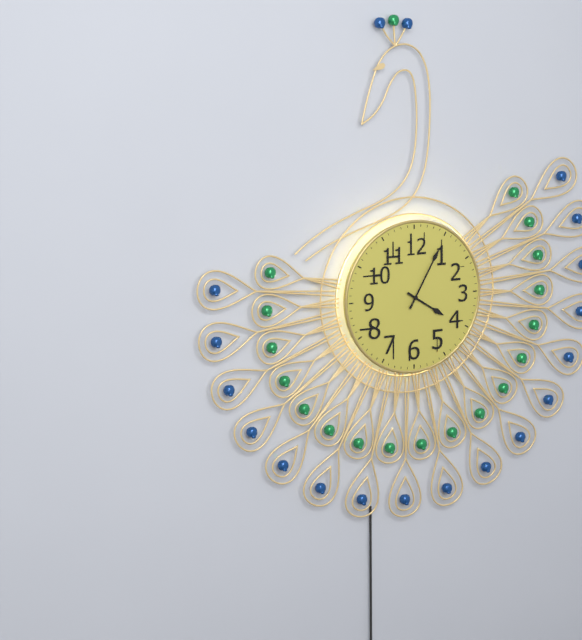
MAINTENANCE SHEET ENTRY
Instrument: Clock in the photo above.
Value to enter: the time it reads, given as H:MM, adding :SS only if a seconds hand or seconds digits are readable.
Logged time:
4:05
